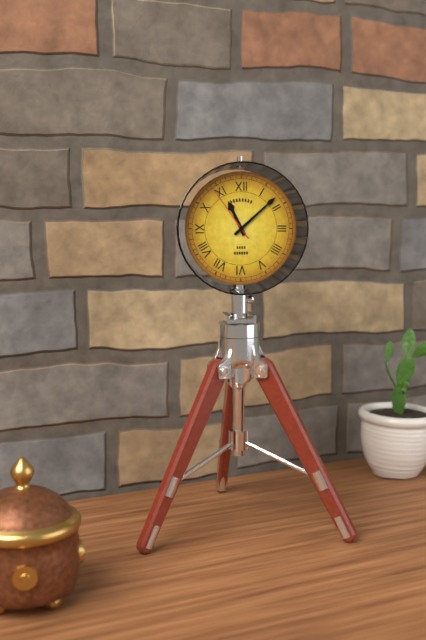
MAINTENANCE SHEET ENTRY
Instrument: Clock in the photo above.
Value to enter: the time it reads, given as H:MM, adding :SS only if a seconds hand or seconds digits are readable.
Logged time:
11:08:54
